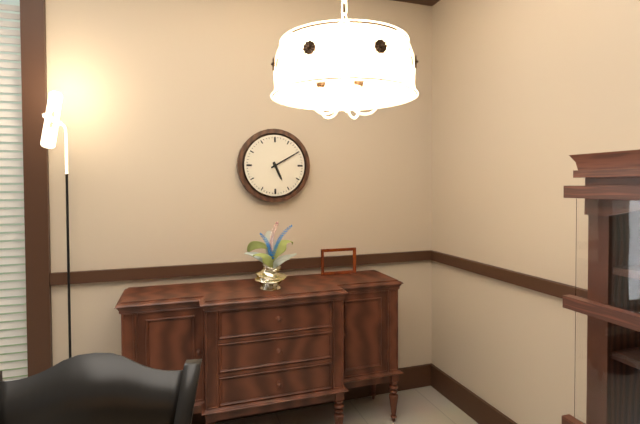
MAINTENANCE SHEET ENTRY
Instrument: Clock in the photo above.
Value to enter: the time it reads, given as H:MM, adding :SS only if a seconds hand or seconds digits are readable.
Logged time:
5:10
